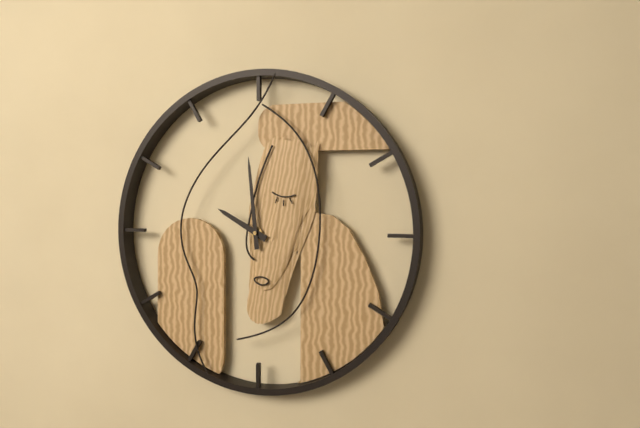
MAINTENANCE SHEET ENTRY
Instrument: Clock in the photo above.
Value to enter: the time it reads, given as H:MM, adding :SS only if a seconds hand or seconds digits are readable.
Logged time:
9:59
